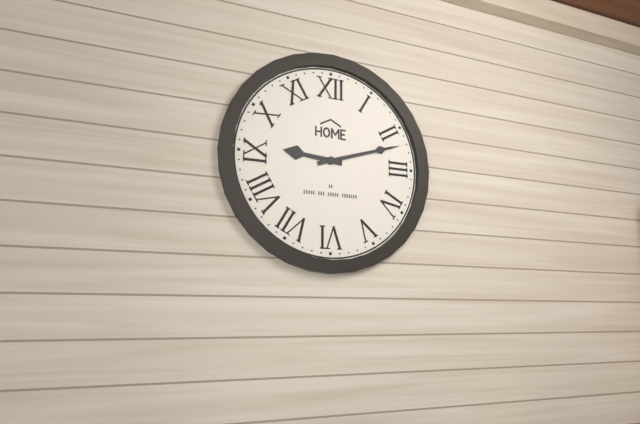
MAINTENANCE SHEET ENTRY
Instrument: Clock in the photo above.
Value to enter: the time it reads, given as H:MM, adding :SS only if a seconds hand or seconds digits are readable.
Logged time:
9:12
